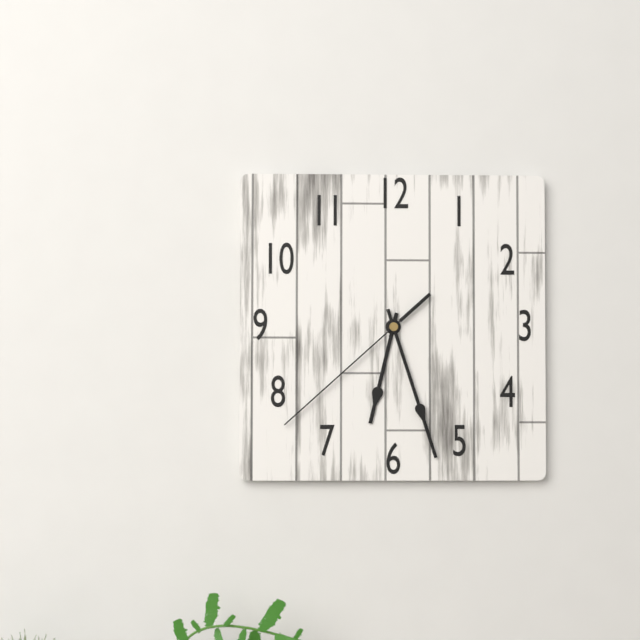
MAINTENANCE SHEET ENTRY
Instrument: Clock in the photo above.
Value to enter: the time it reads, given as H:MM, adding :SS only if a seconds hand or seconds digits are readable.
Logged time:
6:27:38
